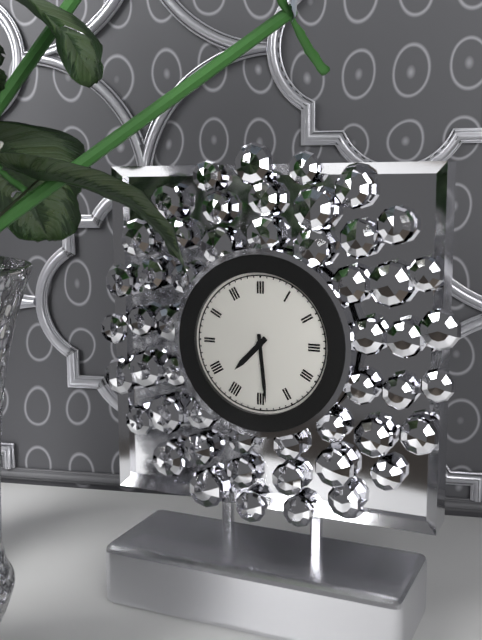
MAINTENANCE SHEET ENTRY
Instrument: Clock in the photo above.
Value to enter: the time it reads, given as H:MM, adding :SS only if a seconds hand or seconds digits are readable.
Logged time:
7:29
